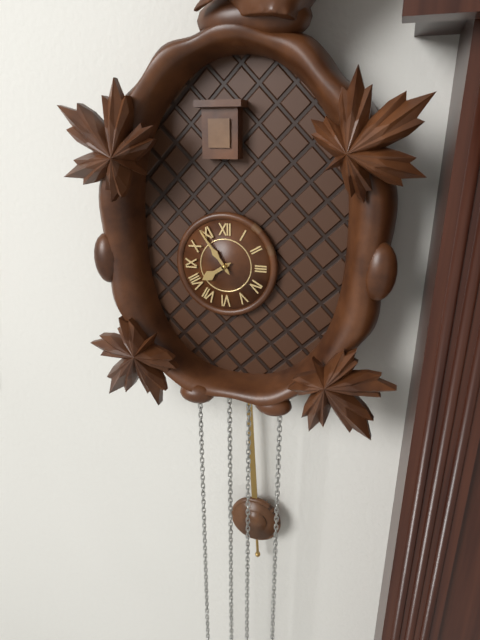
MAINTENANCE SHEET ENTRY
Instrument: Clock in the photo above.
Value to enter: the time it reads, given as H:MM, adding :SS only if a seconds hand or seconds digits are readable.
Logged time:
7:54
